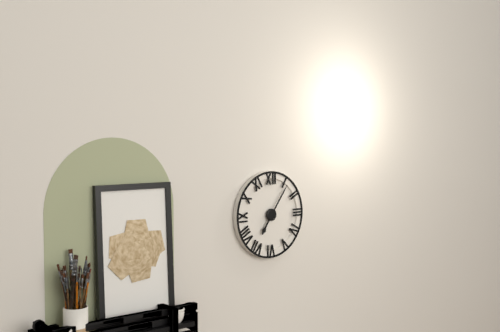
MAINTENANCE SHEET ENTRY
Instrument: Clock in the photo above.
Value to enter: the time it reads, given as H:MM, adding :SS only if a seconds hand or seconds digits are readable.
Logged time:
7:06
